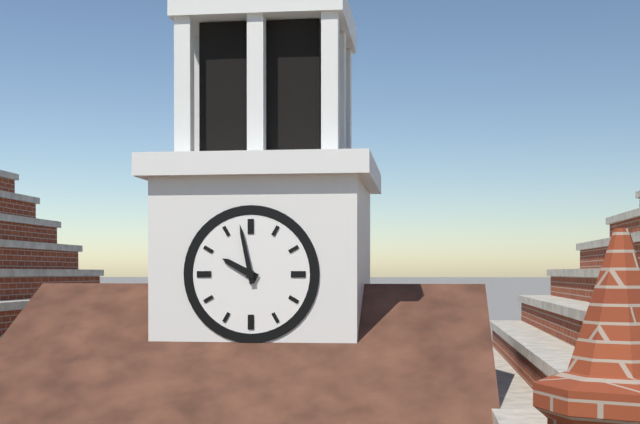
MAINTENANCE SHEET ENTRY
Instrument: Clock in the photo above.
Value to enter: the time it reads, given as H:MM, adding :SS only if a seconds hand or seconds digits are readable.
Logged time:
9:58
